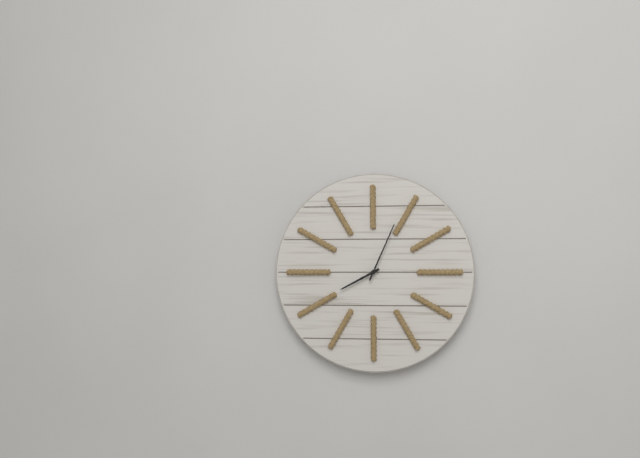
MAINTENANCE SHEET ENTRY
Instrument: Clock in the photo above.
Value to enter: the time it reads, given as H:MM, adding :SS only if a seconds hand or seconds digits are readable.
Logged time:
8:04
